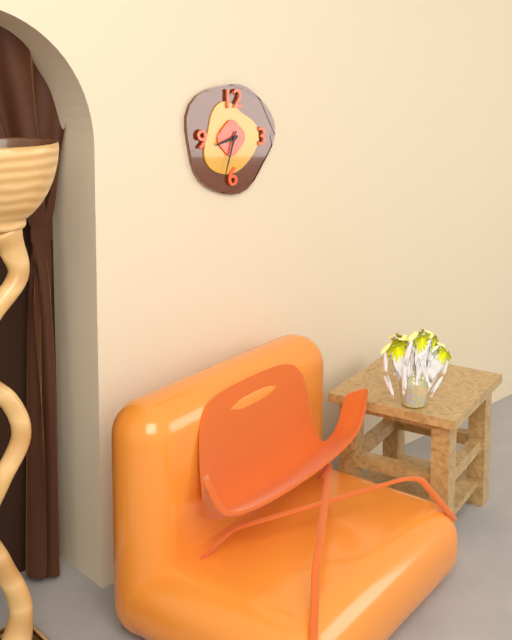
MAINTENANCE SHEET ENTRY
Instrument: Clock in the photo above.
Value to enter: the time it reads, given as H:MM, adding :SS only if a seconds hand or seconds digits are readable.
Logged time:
8:33
